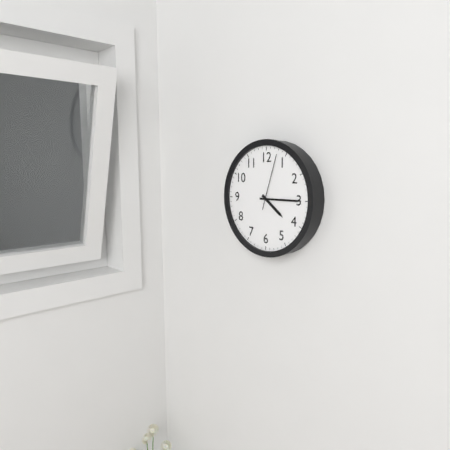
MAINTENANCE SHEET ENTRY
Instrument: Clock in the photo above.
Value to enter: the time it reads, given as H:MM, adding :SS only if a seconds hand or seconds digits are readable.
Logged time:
4:15:03
